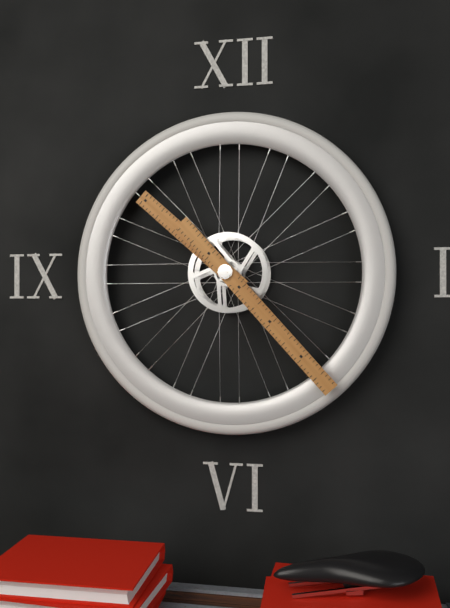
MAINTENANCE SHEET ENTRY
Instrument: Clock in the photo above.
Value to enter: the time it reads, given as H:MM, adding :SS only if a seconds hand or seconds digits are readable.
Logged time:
10:23
